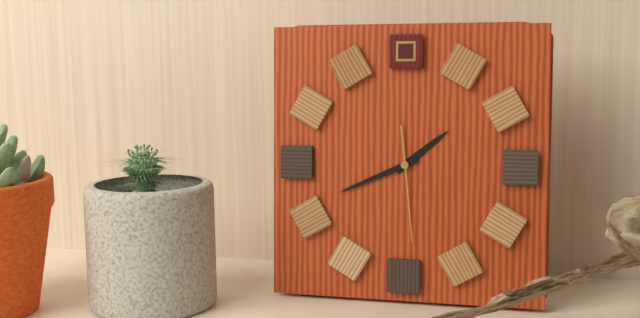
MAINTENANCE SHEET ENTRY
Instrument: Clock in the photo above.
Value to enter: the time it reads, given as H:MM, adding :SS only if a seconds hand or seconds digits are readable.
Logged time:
1:41:29
